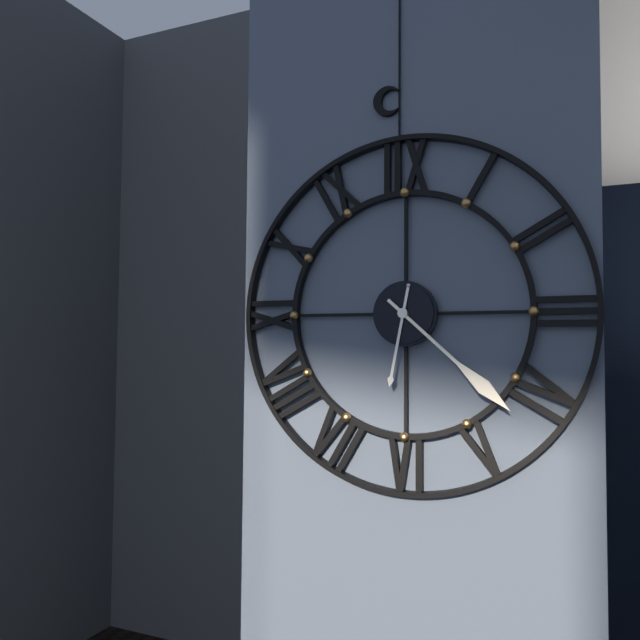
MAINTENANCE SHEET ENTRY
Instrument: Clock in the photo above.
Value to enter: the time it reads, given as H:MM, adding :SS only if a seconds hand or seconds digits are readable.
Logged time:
6:22
